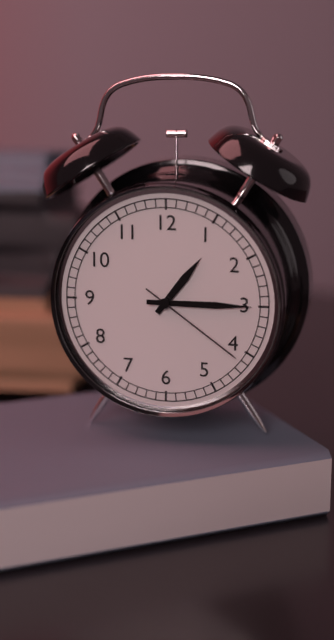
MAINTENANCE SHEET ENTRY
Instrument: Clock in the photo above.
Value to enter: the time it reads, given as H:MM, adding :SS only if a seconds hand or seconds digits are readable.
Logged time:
1:15:21
